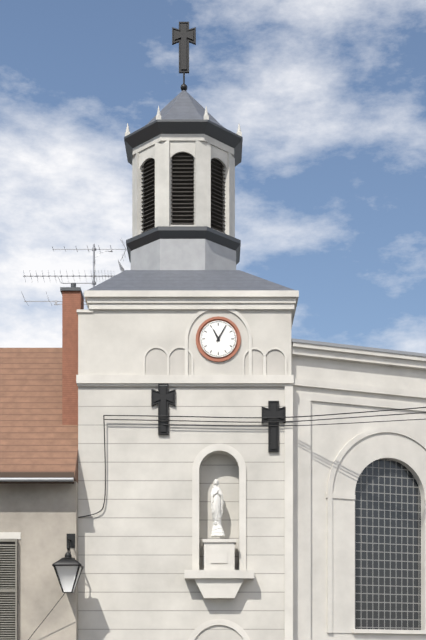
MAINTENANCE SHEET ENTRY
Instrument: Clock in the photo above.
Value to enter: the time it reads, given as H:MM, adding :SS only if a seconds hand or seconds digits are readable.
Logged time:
11:05
